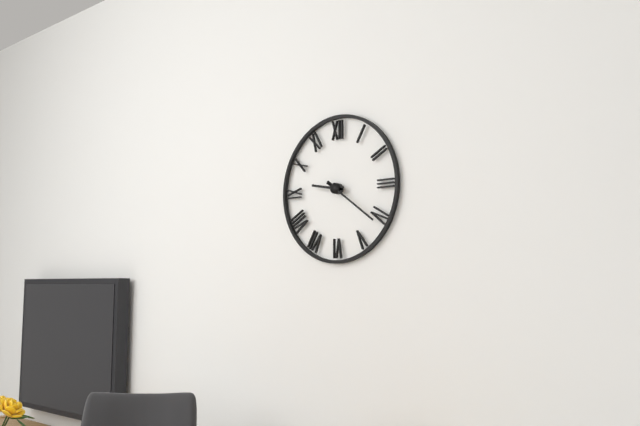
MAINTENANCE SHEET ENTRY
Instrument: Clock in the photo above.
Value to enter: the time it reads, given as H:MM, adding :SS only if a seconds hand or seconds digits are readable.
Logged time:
9:21
